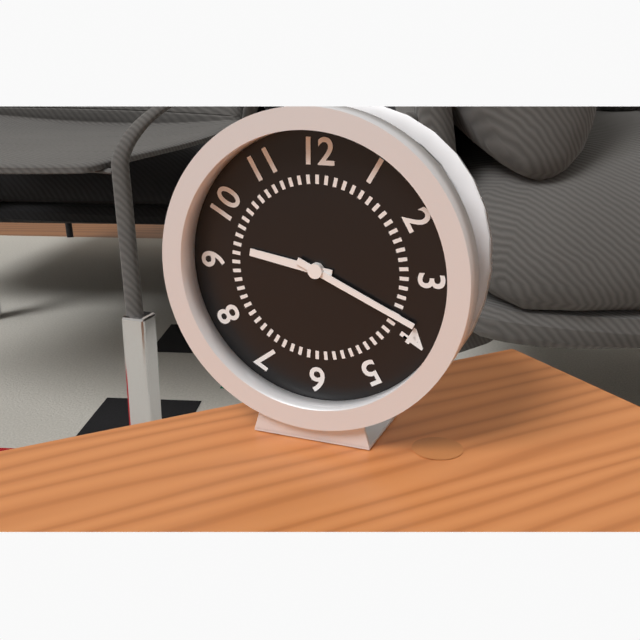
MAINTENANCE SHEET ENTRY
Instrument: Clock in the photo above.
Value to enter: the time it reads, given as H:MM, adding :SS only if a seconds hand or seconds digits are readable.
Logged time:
9:19
